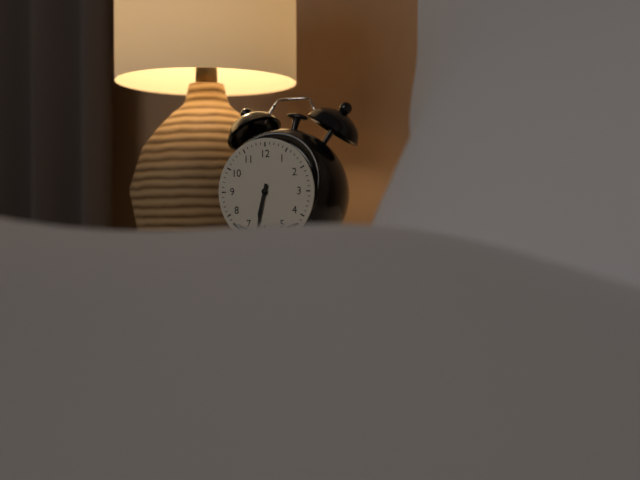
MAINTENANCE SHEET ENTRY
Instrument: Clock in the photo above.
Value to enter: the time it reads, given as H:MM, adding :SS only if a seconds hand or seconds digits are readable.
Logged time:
6:32
